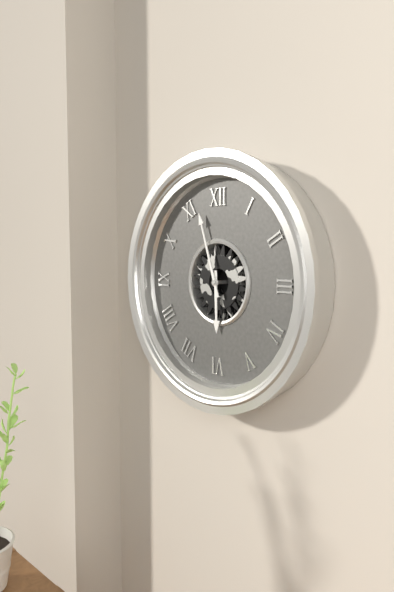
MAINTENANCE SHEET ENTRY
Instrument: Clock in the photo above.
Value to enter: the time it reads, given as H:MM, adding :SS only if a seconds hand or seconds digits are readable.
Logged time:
5:57
